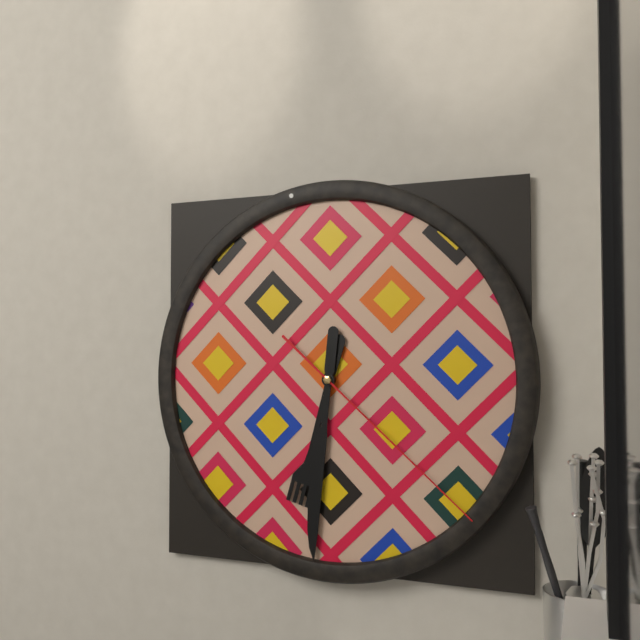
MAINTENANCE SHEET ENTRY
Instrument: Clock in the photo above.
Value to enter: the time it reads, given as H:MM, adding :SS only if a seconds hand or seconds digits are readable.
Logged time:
6:31:22
